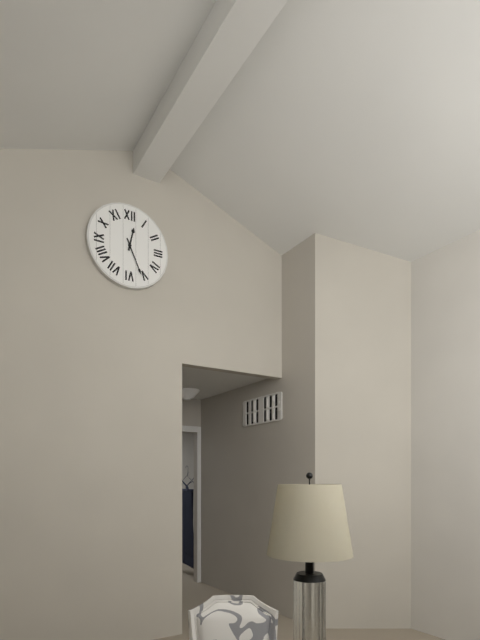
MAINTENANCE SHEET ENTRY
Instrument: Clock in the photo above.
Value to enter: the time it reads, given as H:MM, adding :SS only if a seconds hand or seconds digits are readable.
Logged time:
12:26
